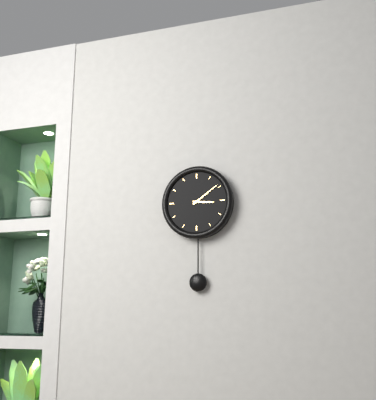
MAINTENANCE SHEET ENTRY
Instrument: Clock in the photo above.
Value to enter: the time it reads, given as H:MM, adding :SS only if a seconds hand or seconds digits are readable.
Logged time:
3:09
